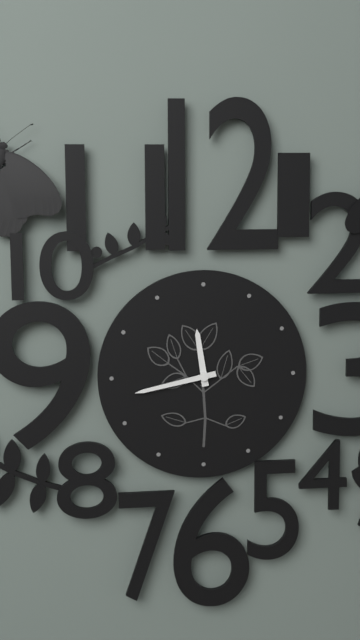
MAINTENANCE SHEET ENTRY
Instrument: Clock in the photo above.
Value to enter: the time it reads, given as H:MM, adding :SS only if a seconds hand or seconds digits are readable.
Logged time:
11:43
